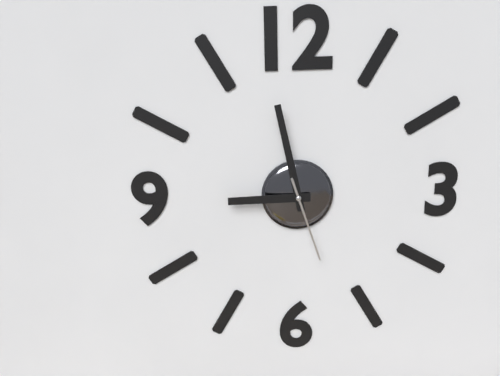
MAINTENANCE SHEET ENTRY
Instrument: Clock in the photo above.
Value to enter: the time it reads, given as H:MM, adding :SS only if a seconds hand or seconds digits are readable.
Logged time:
8:58:27
